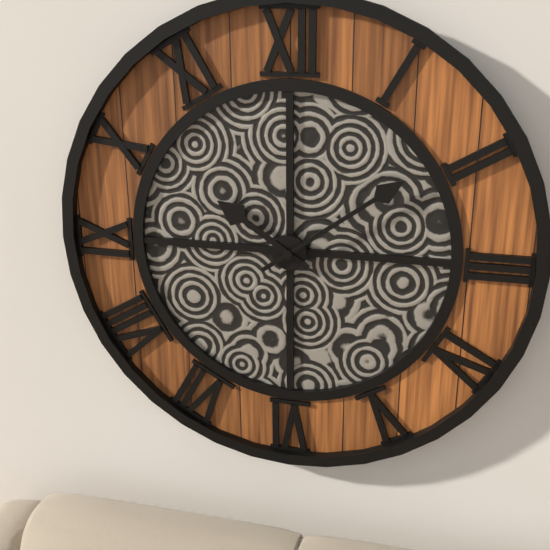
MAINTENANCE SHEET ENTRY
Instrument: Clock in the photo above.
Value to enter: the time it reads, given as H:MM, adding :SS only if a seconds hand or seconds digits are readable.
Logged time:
10:09
